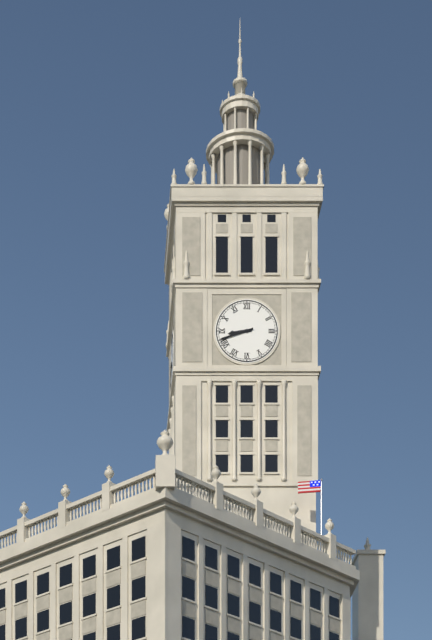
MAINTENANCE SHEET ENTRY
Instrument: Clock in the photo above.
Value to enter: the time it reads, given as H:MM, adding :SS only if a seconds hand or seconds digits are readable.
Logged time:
8:42
